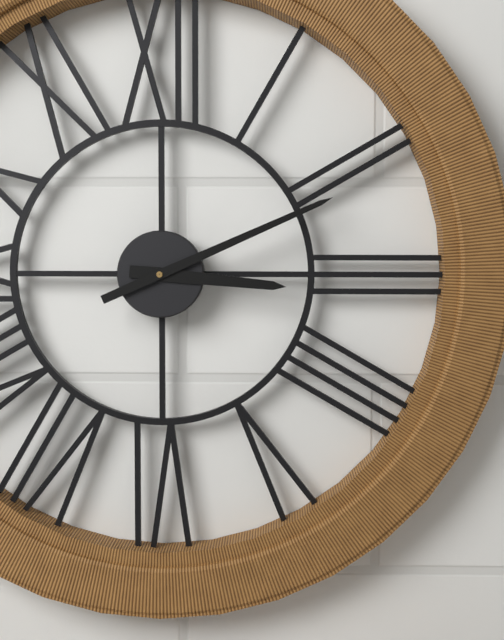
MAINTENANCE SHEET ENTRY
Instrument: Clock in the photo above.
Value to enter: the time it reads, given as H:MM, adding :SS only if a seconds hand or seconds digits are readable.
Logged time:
3:11
